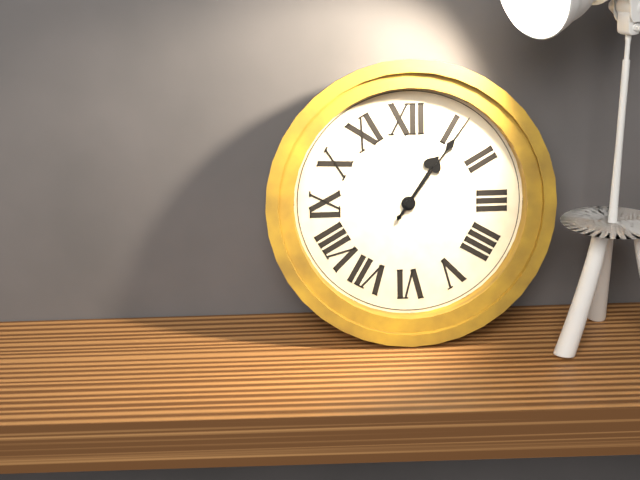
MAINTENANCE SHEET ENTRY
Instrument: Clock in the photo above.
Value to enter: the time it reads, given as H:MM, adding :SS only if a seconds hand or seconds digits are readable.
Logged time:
1:06
